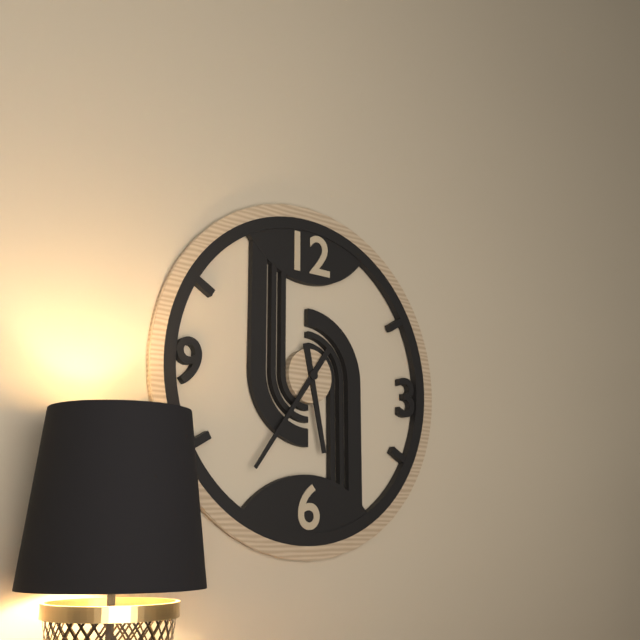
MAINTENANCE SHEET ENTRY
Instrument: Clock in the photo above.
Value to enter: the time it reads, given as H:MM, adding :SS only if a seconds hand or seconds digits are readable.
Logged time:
5:36
